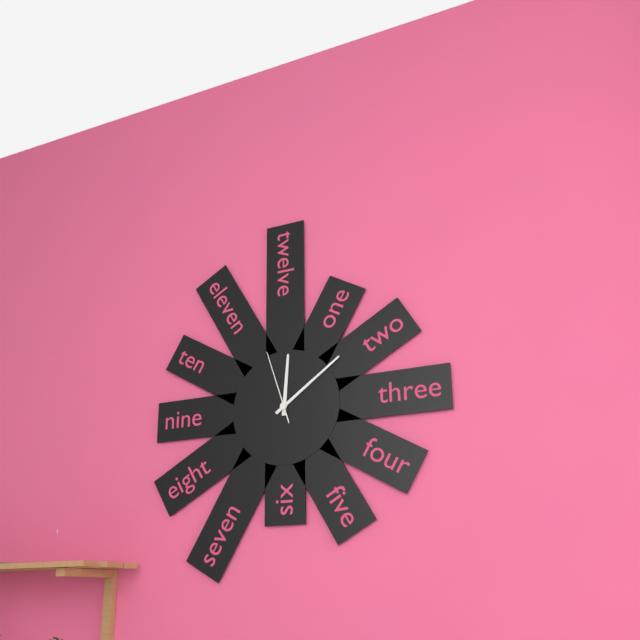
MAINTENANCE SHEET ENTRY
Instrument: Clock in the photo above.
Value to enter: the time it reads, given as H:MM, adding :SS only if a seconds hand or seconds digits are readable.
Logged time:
12:09:57
